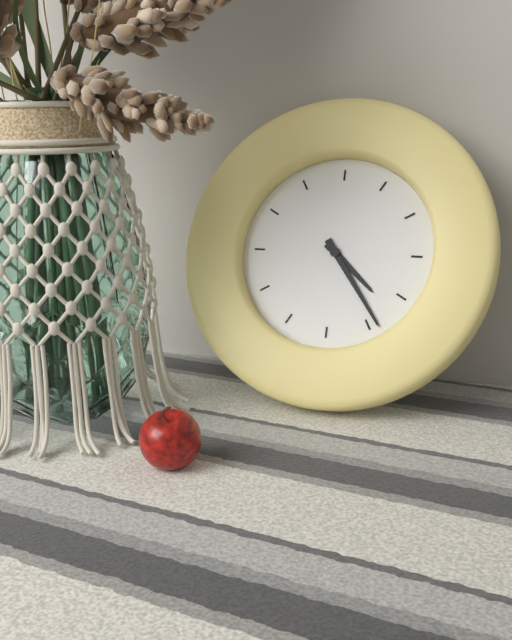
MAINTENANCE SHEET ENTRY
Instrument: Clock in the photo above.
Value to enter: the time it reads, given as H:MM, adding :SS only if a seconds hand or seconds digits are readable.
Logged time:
4:24
